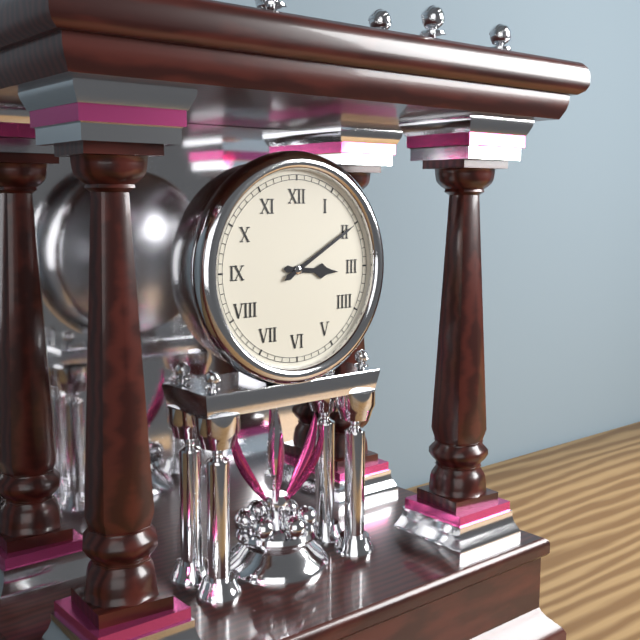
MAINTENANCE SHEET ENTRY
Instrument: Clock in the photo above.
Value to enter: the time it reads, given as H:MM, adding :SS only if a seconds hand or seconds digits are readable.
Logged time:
3:10
